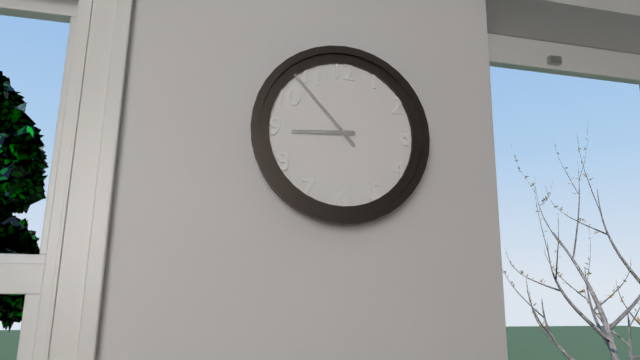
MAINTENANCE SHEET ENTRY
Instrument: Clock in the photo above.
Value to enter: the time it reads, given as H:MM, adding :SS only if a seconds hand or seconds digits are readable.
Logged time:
8:53
